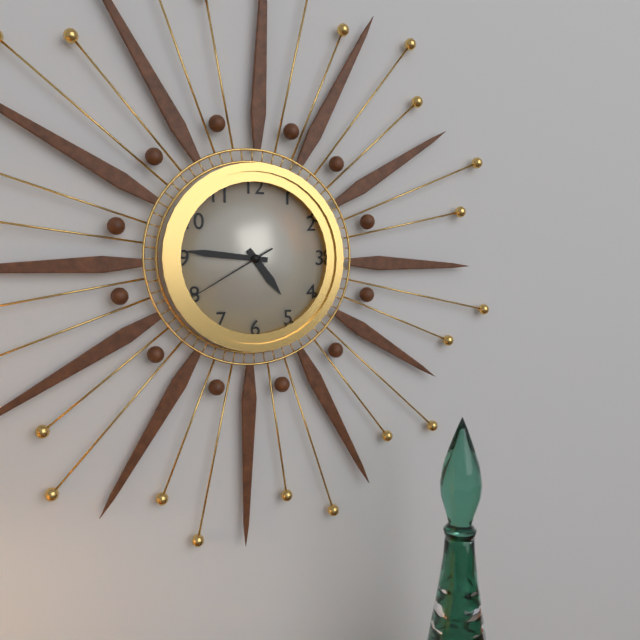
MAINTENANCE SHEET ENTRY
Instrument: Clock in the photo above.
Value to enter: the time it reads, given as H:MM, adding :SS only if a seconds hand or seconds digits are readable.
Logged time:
4:46:40
